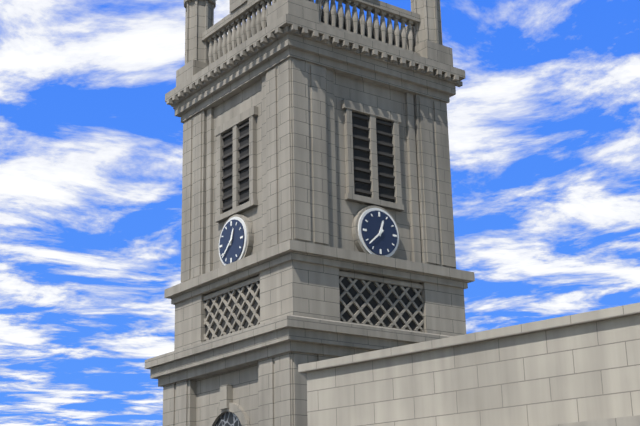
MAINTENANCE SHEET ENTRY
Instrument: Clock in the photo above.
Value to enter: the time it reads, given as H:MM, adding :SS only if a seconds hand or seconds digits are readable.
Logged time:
12:38
